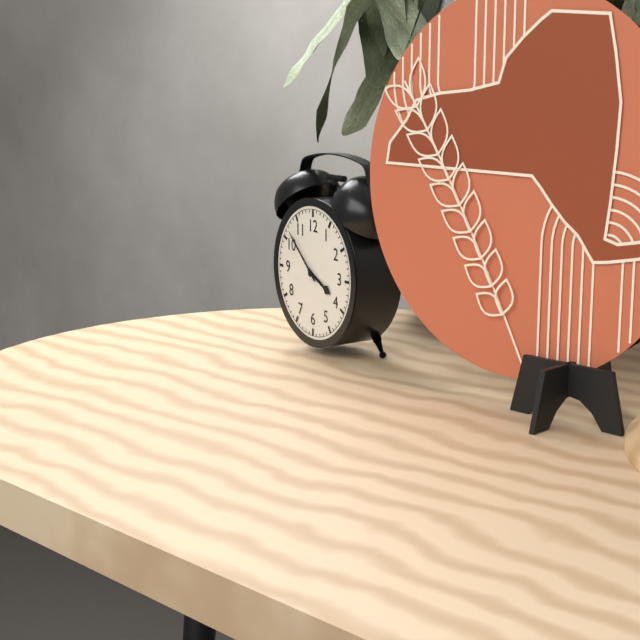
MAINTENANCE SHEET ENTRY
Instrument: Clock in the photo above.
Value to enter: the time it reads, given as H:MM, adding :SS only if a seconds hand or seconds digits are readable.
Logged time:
3:52
